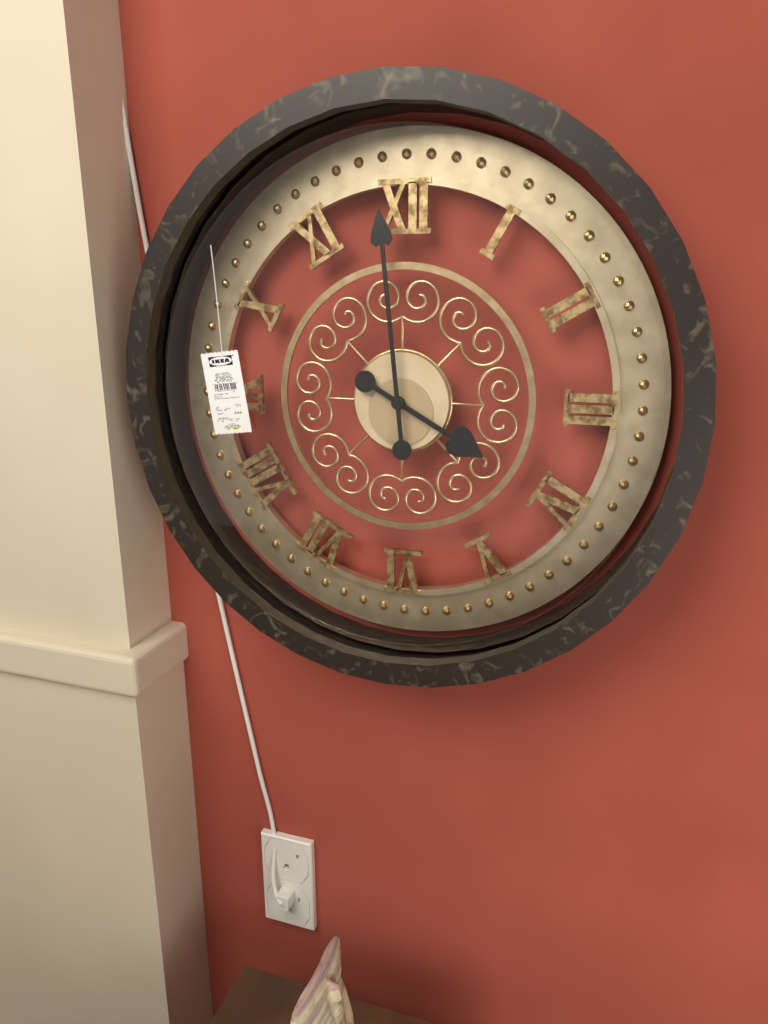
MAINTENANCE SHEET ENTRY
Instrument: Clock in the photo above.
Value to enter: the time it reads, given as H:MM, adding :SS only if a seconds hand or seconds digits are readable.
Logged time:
3:59
